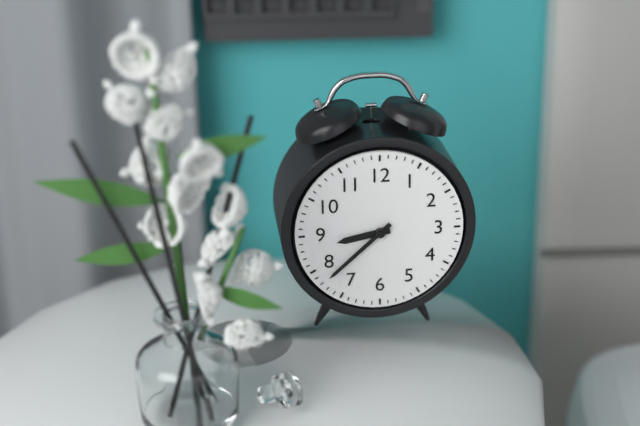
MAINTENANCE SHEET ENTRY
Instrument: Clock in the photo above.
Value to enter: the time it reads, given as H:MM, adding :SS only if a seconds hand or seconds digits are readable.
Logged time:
8:38
